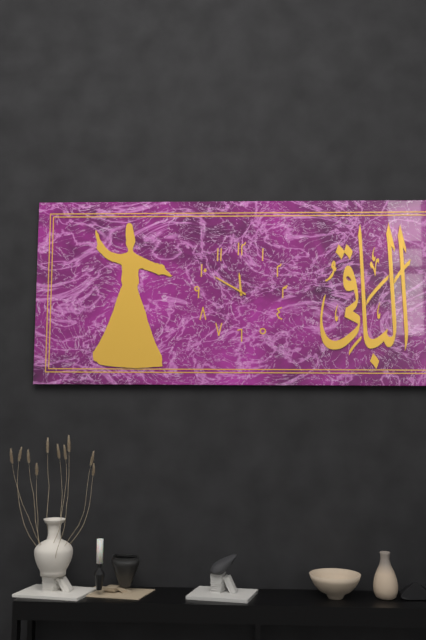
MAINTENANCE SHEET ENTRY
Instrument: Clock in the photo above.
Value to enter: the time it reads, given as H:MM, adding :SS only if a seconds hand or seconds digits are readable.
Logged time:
11:50
